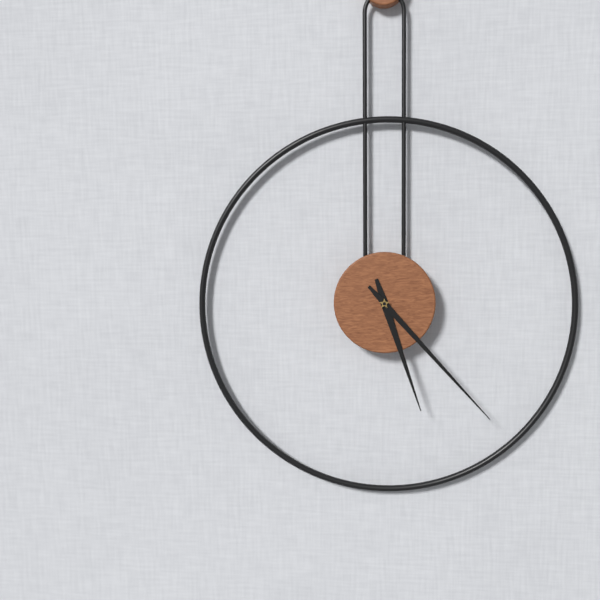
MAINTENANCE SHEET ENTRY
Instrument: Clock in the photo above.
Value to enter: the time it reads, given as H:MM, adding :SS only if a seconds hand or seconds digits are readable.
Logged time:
5:23
